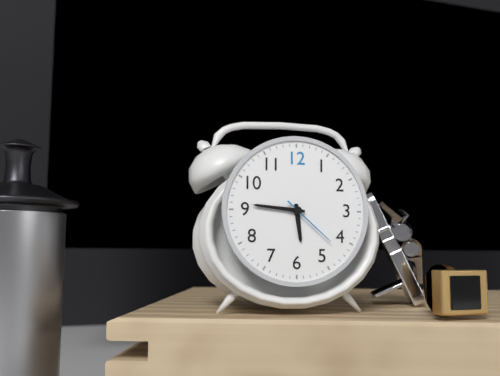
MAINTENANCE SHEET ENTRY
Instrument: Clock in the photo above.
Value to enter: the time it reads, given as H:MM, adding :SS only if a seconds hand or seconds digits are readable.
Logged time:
5:46:22
